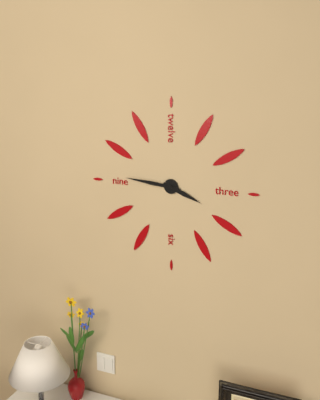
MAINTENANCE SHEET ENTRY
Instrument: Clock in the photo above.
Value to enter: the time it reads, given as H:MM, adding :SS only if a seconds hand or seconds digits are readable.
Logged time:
3:46
